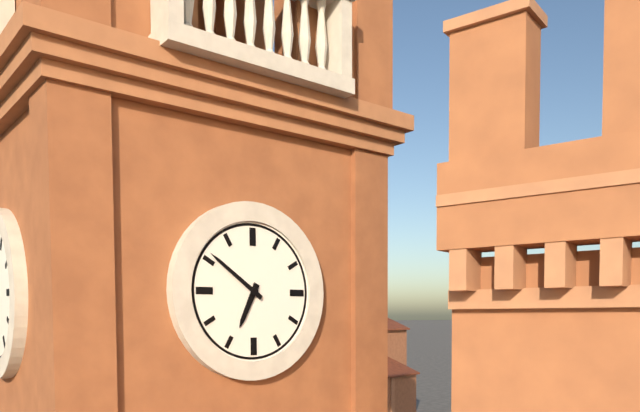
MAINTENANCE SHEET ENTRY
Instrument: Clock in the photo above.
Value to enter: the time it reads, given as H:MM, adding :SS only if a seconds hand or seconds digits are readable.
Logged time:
6:51
